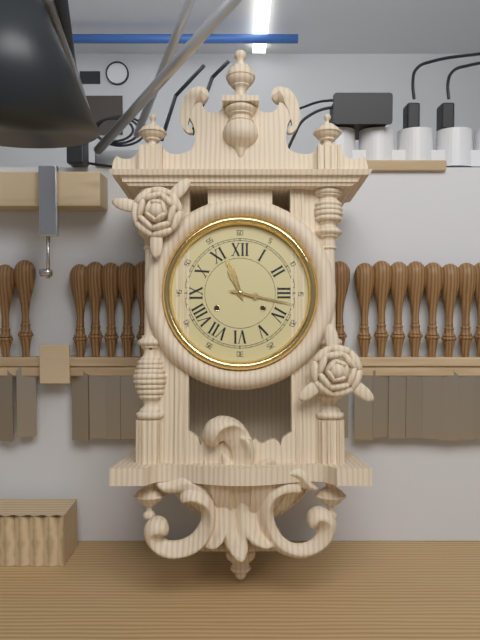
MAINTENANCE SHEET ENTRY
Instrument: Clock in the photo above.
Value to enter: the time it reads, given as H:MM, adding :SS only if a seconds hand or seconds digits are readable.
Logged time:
11:17
